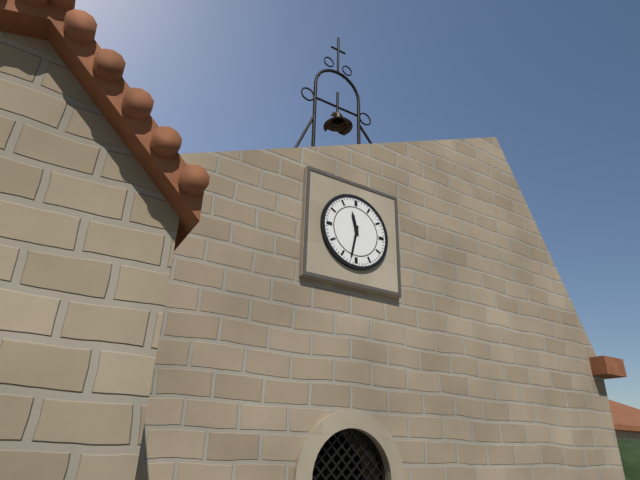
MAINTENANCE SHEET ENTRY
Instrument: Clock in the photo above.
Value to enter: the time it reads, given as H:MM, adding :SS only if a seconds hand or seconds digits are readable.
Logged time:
11:32
